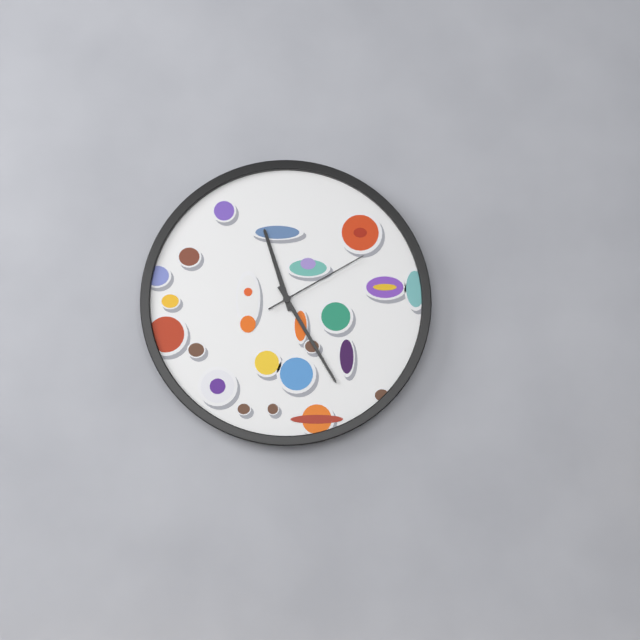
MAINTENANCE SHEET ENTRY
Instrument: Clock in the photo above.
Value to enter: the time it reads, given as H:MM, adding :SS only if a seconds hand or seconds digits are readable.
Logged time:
11:25:10
